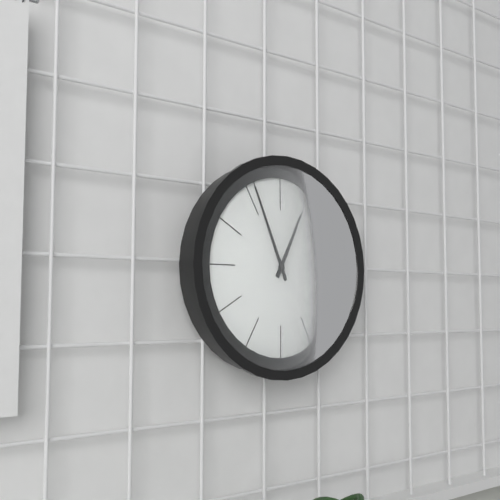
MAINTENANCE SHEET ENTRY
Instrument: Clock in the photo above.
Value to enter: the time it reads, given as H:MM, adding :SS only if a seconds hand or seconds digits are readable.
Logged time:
12:56
